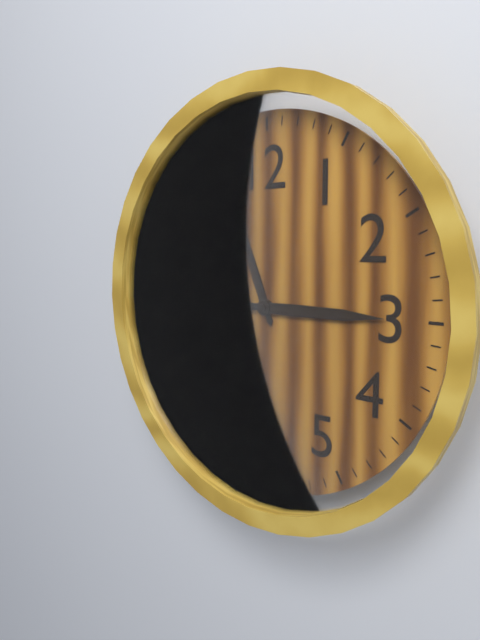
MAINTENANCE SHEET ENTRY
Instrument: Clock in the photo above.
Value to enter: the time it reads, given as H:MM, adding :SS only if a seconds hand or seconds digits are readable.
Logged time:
11:15
